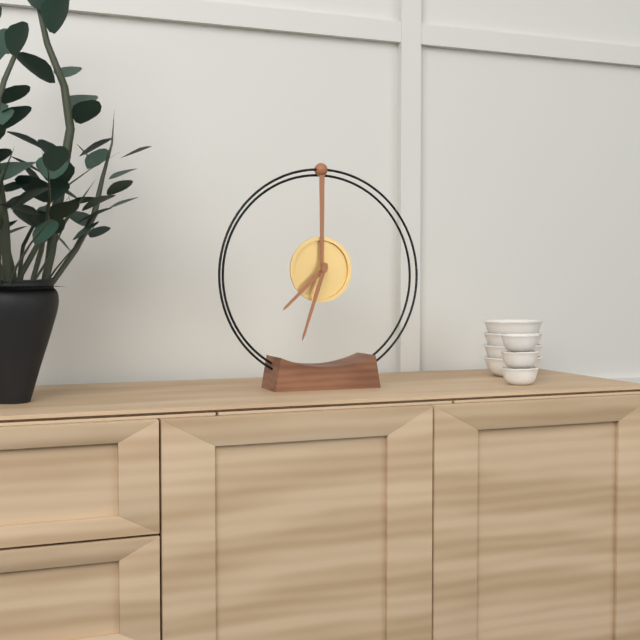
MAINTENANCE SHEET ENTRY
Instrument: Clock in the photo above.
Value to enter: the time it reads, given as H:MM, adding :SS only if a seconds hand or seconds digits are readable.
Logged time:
7:33
